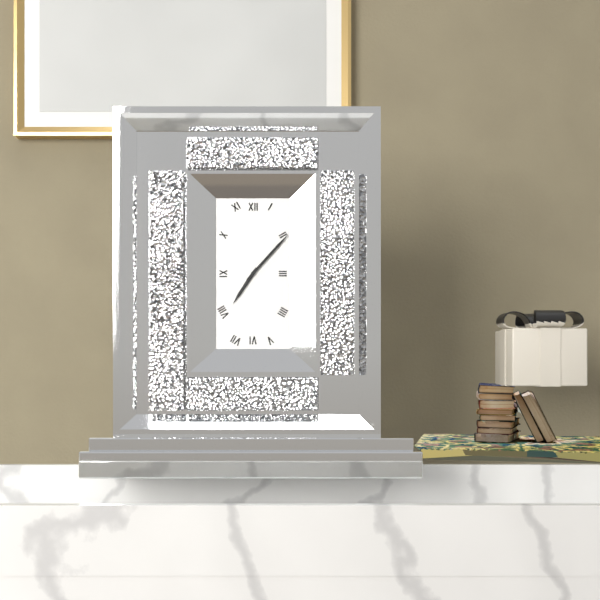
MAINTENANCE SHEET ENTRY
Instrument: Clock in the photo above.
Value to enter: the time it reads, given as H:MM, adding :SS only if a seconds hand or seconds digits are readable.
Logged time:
7:07
